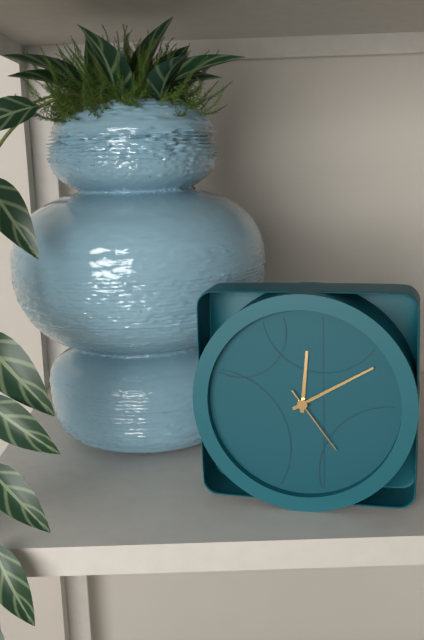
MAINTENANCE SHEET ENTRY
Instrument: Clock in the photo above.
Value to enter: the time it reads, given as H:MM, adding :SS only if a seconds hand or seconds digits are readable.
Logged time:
12:10:24
